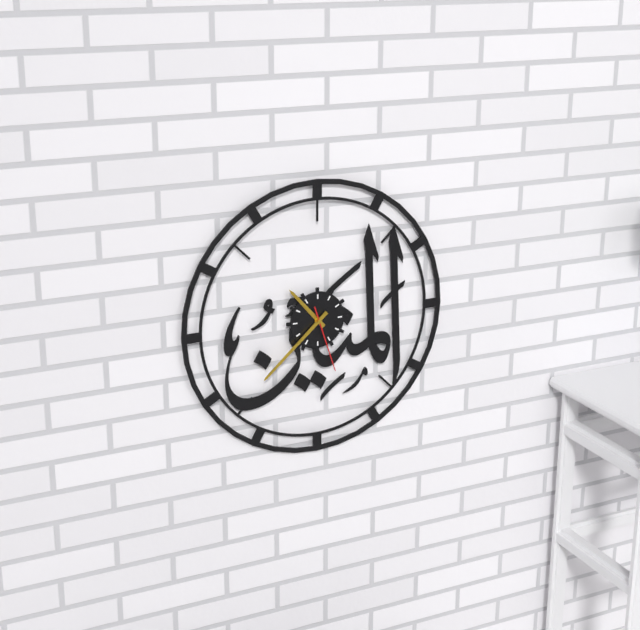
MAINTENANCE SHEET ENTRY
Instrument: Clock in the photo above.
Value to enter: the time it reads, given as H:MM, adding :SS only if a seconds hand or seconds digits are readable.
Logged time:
10:38:27
